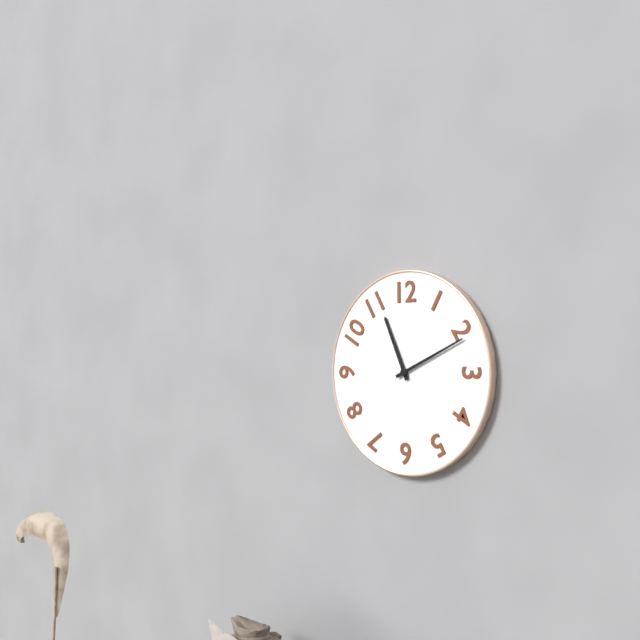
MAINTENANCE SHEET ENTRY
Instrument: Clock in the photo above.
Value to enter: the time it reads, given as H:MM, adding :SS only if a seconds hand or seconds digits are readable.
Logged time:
11:11
